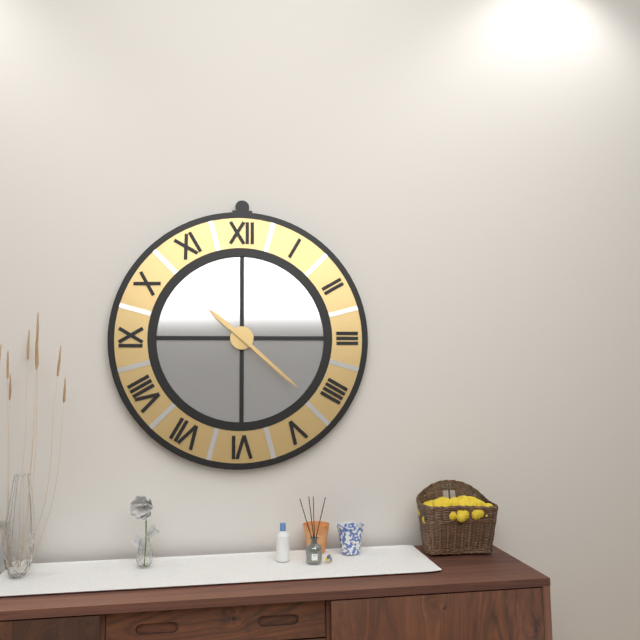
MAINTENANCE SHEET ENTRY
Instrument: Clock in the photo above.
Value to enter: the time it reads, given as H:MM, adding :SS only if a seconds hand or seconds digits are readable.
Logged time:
10:22
